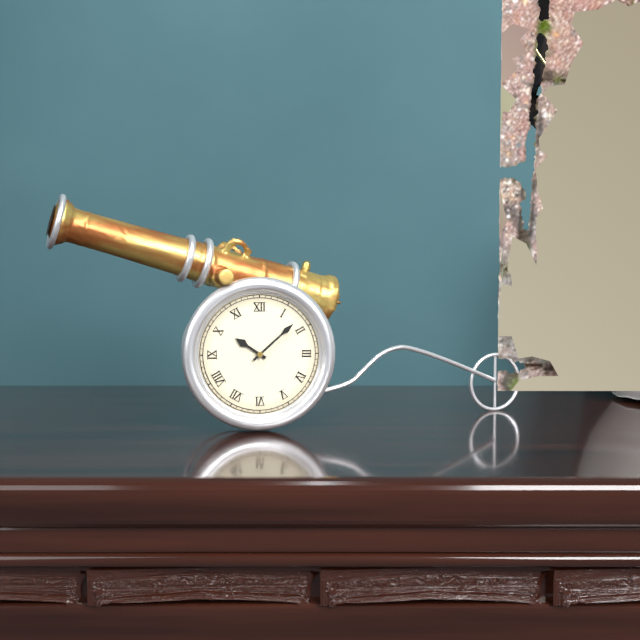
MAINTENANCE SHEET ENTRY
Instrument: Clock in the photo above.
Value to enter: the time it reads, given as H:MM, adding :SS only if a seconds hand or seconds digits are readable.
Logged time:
10:08
